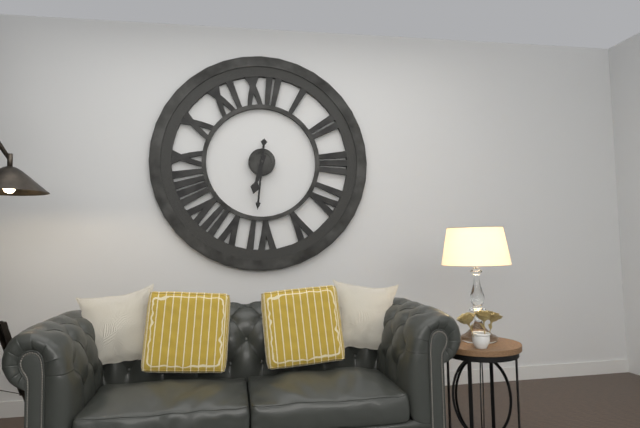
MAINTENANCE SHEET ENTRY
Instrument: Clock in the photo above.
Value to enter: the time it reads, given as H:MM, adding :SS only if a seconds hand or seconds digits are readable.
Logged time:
6:31
